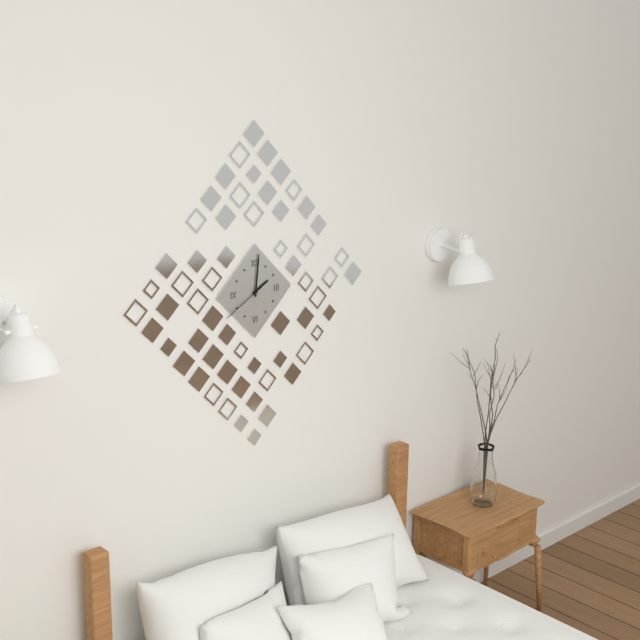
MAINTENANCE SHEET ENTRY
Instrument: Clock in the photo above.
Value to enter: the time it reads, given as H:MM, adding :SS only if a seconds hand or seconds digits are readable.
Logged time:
2:01:40
